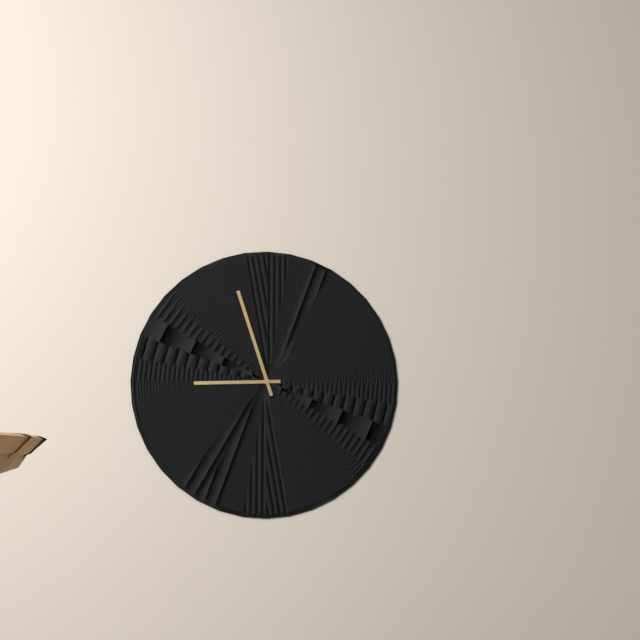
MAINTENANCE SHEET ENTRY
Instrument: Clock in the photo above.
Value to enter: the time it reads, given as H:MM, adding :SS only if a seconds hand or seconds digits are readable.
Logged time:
8:57
